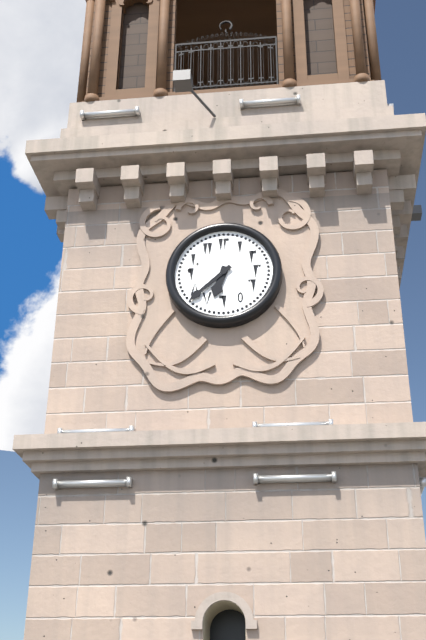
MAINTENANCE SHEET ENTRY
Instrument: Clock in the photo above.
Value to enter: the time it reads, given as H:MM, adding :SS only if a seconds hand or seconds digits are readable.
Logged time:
6:38
